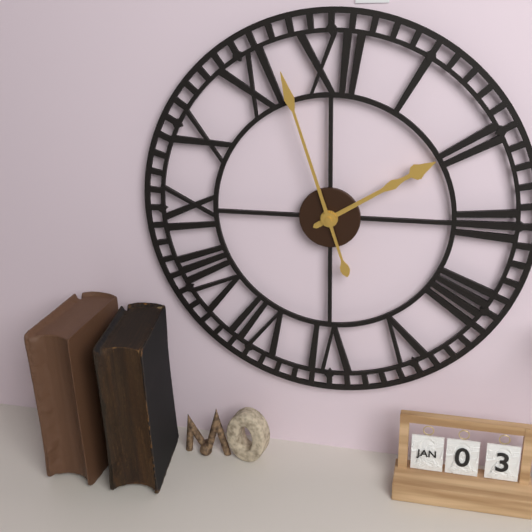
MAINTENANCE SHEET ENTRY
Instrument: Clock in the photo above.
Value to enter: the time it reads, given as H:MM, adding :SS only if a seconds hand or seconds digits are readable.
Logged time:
1:57
